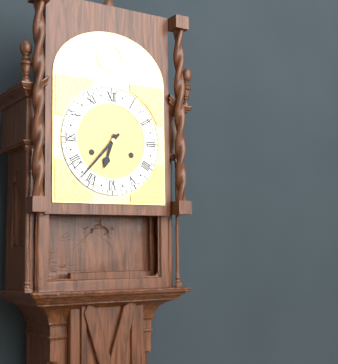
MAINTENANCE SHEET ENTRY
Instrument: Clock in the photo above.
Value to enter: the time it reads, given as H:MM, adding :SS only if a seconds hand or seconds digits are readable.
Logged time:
6:37
